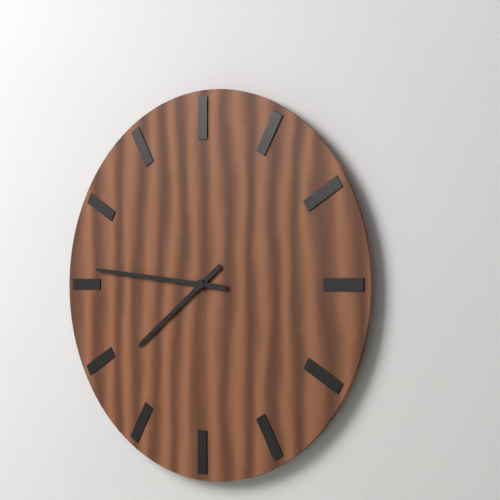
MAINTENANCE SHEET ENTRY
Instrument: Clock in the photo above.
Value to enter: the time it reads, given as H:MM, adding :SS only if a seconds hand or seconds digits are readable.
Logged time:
7:46
